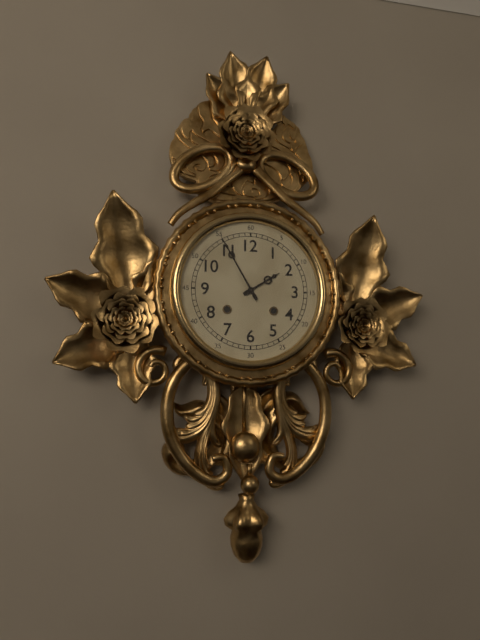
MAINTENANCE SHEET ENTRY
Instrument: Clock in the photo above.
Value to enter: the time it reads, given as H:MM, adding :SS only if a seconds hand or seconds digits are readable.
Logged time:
1:55
